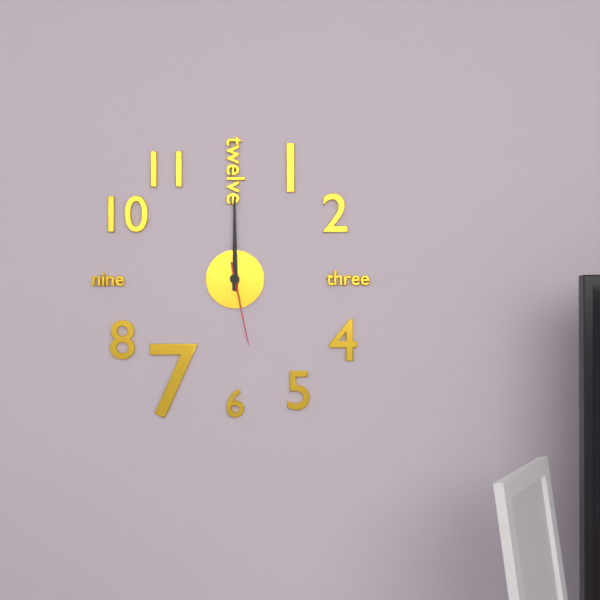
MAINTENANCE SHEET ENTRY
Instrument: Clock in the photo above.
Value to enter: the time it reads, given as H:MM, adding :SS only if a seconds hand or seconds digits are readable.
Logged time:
12:00:28
